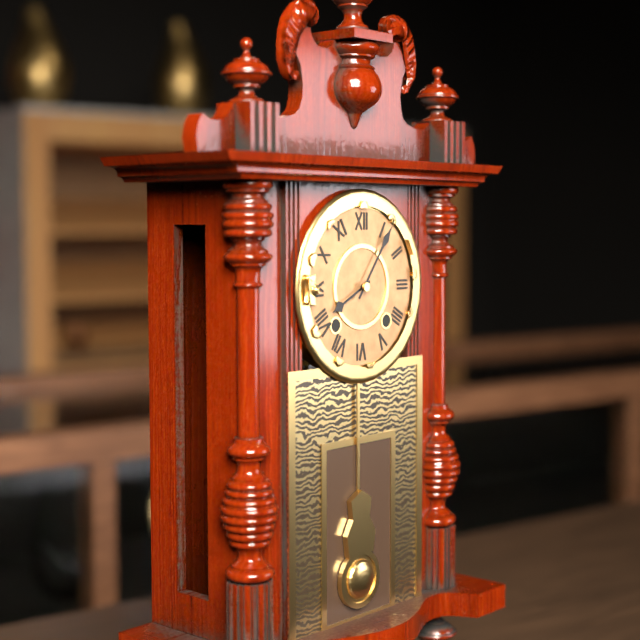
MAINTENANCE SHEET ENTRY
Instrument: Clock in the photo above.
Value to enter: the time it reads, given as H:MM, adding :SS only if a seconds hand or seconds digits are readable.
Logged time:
8:06
